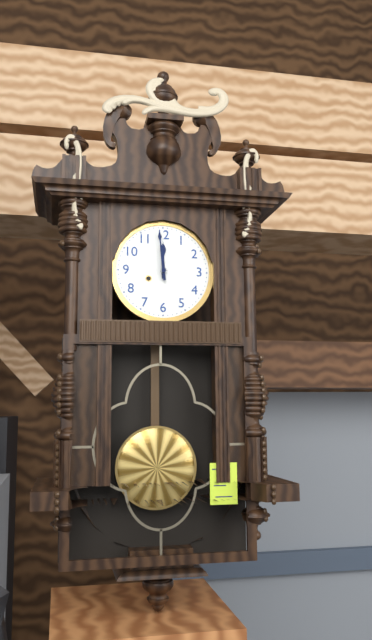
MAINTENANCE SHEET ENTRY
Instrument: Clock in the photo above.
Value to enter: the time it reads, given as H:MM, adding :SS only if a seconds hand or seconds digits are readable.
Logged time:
11:59
